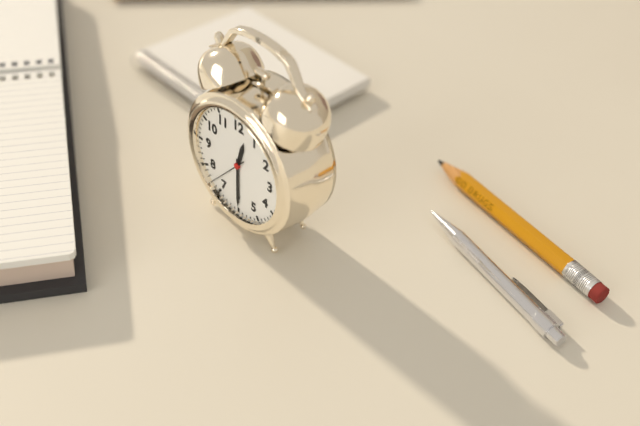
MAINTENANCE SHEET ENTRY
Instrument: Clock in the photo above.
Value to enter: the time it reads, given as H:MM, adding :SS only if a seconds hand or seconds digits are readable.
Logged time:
12:30
